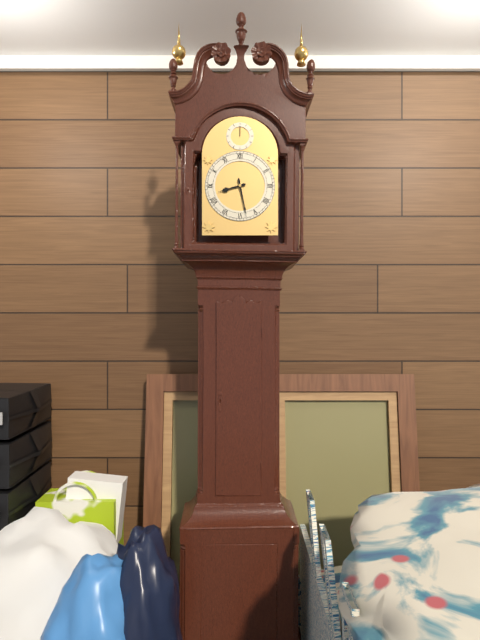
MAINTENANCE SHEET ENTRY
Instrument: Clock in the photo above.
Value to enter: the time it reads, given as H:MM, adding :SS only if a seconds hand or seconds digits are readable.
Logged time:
8:28
